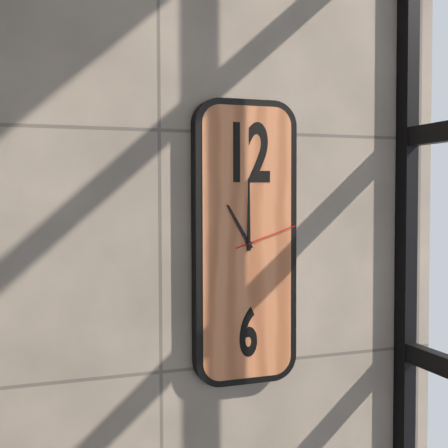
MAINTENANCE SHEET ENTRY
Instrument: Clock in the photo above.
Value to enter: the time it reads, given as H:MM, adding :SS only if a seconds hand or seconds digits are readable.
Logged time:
11:00:12
